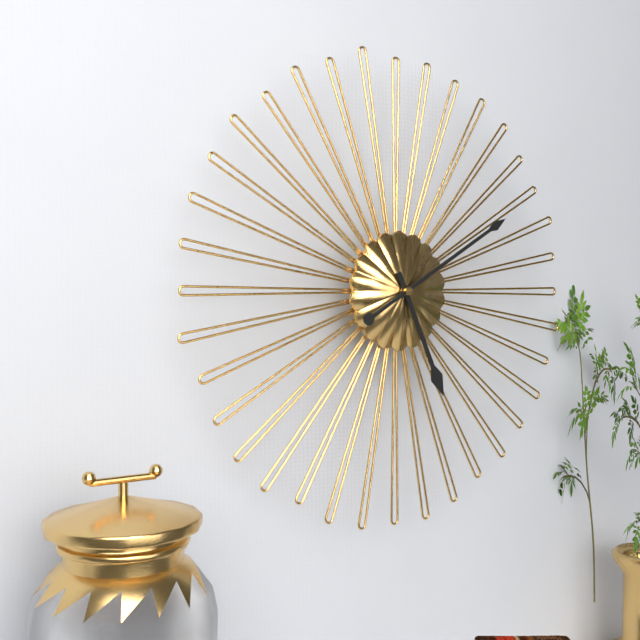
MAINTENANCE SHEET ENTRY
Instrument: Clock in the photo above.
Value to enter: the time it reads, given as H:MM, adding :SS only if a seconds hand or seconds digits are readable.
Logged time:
5:10
